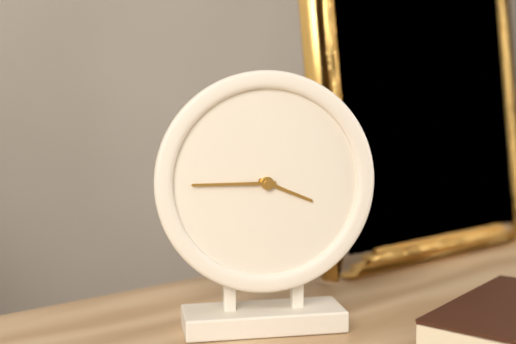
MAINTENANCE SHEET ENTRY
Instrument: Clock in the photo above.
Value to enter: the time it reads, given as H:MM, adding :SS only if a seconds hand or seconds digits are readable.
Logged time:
3:45
